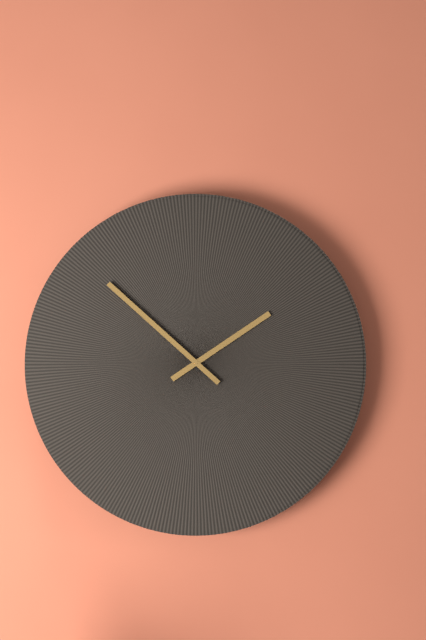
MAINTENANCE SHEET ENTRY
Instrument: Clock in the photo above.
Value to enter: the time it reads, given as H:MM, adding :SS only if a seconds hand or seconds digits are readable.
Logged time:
1:52
